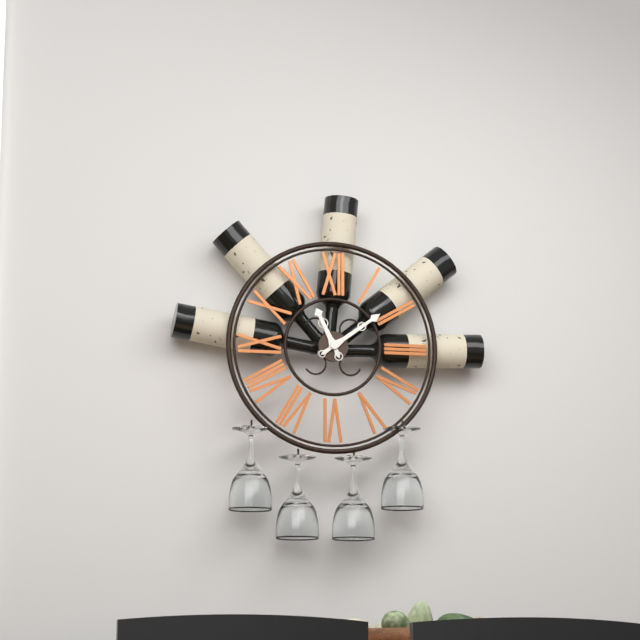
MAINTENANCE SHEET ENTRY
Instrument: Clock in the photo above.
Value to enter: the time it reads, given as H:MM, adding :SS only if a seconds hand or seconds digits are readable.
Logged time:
11:09
